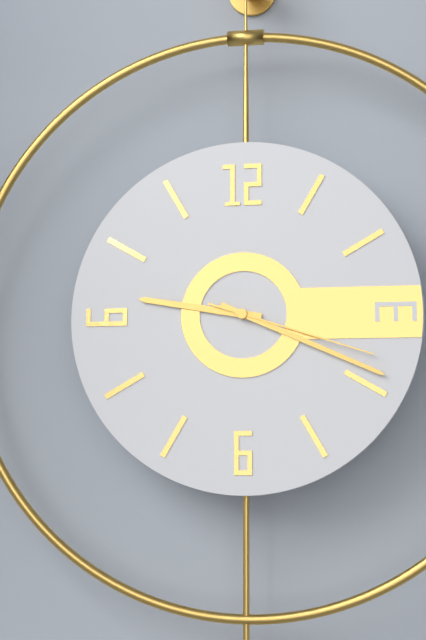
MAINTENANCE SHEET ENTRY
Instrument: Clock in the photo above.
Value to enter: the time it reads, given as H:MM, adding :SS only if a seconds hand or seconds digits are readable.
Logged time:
9:19:18
